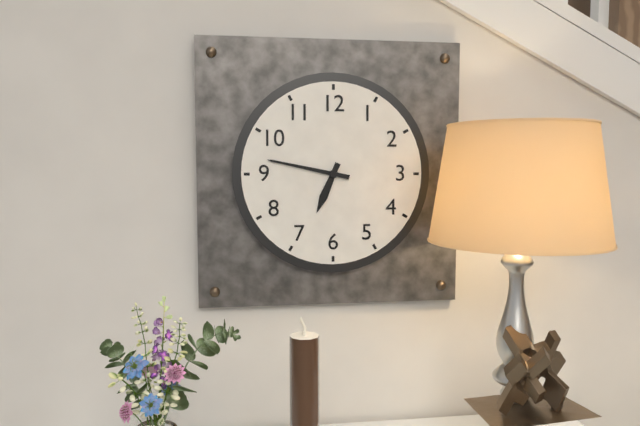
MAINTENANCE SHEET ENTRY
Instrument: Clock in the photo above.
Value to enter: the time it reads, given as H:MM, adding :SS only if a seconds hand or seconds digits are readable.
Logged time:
6:47
